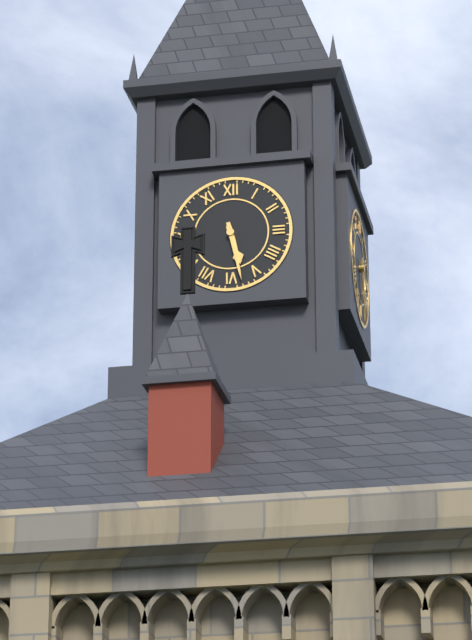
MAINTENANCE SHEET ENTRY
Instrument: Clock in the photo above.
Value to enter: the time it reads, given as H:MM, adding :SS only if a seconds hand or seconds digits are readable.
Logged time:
5:28
